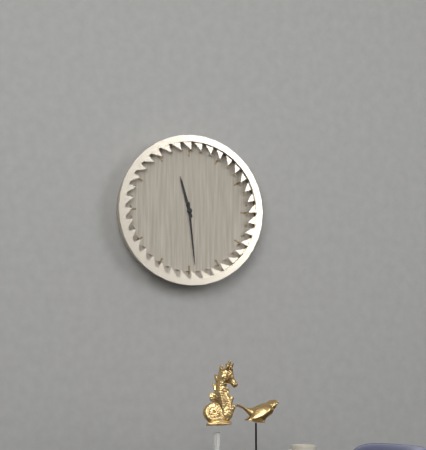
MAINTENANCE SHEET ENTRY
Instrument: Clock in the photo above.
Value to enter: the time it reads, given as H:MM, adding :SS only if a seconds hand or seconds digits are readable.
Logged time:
11:29
